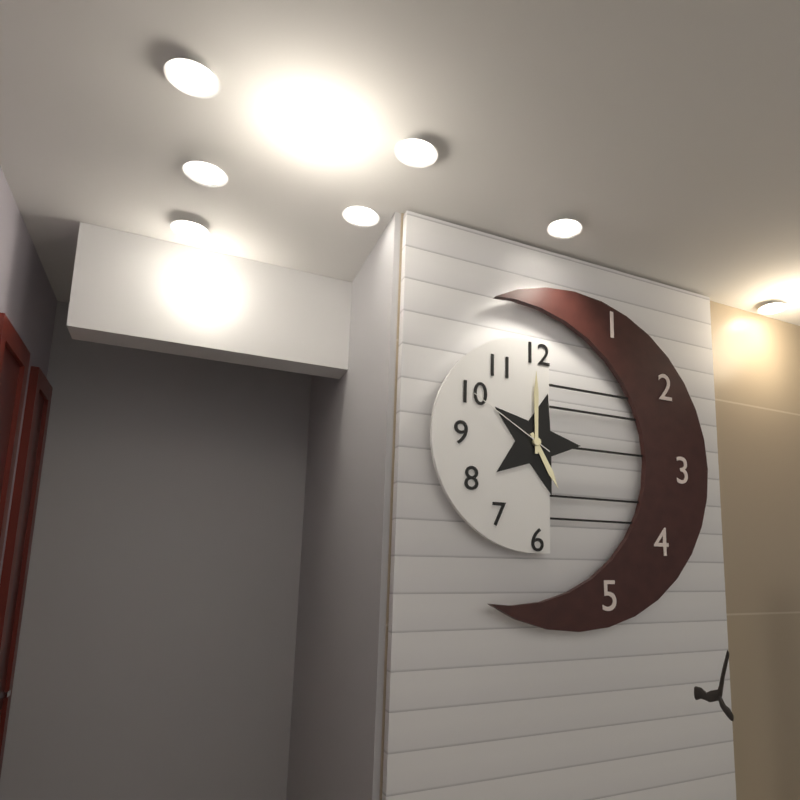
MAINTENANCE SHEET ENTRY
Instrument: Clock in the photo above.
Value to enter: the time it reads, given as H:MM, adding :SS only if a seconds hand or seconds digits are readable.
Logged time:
5:00:50
